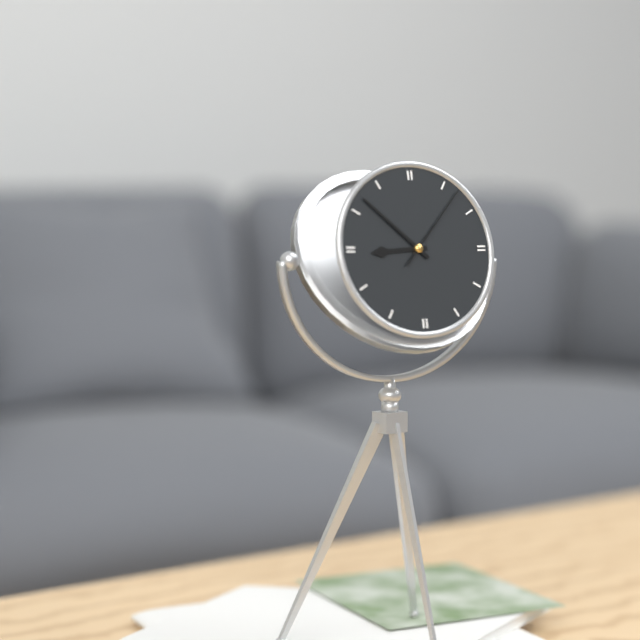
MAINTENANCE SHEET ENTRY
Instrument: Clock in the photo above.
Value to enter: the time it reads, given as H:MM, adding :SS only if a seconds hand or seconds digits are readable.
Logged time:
8:52:07
